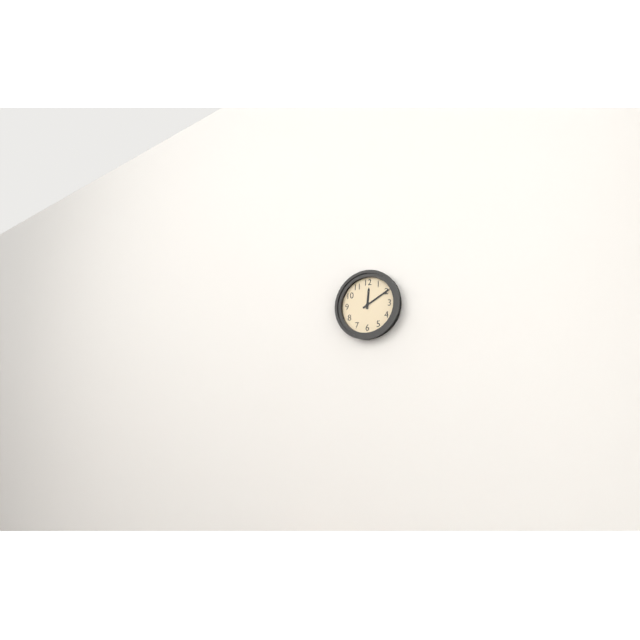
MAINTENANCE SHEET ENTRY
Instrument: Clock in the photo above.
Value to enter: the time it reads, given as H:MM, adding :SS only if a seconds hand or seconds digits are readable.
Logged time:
12:10
